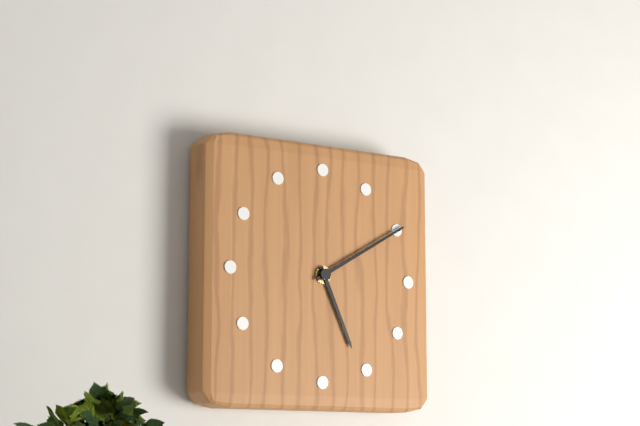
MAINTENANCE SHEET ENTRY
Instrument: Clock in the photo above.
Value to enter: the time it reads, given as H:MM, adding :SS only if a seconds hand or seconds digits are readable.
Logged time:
5:10
